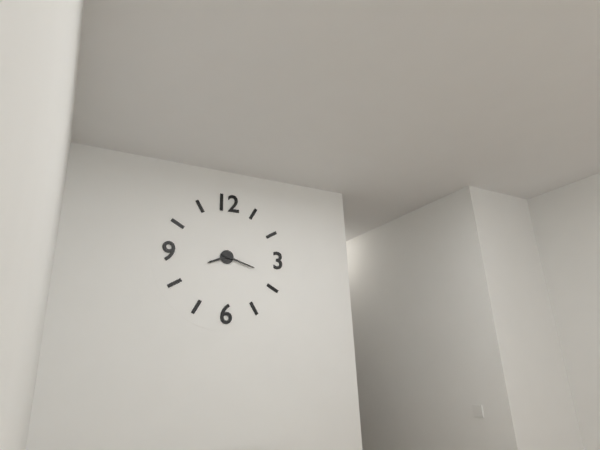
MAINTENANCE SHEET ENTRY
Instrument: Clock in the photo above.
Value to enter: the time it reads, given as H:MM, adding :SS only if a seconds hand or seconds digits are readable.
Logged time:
8:18
